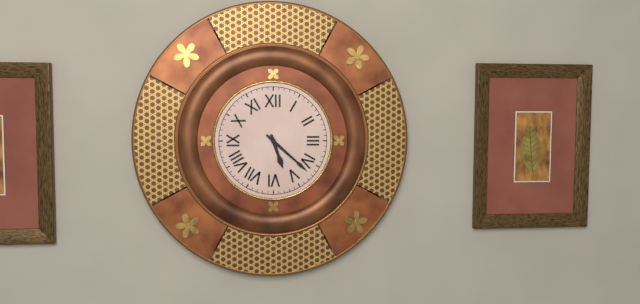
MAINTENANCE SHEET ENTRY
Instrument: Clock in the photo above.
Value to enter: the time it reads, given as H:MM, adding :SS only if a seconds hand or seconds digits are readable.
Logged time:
5:22
